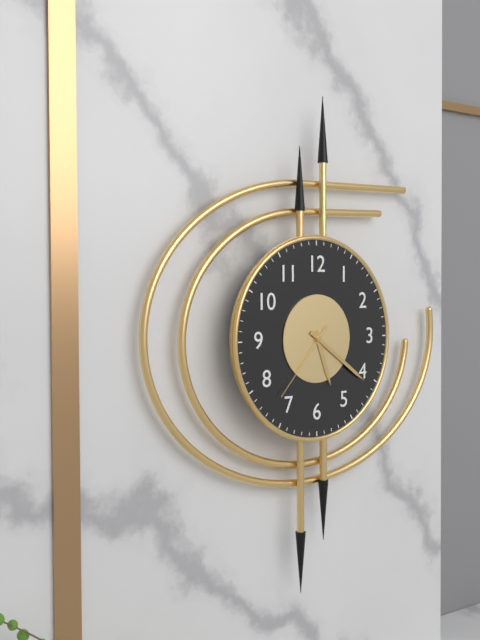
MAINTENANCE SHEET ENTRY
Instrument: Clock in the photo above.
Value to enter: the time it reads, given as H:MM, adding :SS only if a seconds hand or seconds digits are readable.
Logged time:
5:21:37
